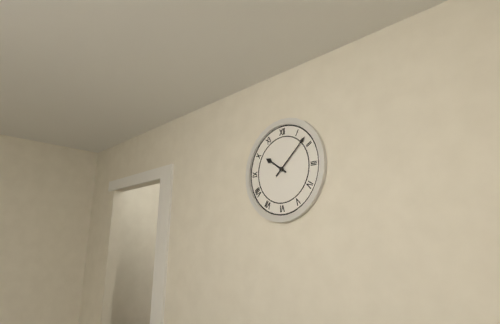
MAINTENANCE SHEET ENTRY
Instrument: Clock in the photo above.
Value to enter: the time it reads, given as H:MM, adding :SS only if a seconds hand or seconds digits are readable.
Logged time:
10:08
